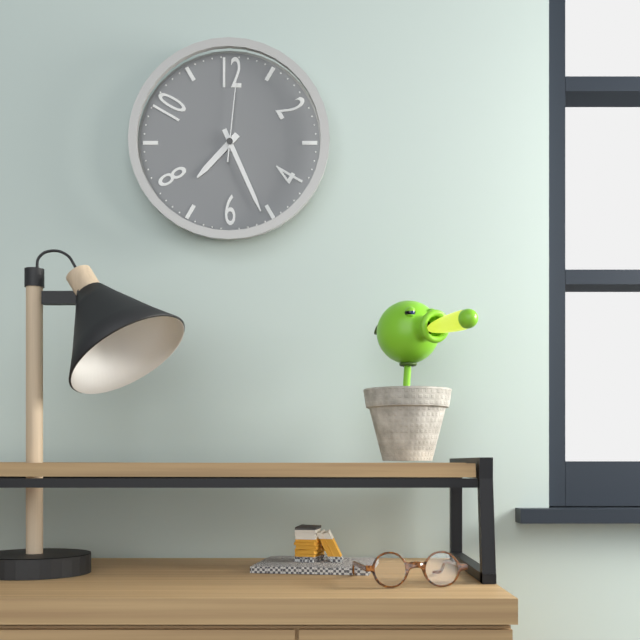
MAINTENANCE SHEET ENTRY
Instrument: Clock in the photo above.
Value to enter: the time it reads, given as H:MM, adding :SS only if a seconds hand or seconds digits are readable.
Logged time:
7:26:01
